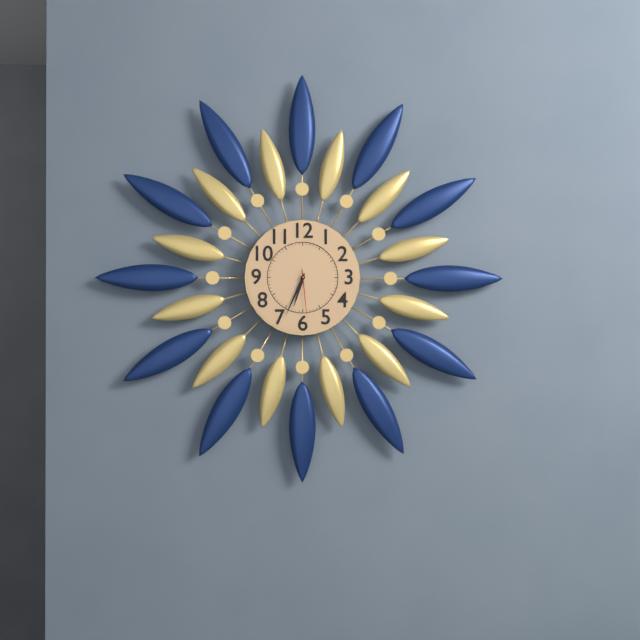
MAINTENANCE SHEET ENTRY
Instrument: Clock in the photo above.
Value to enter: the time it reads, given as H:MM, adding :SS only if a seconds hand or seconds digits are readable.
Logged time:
6:34:29
